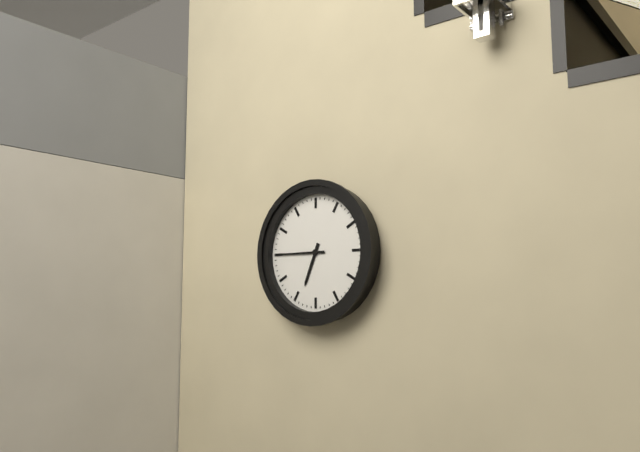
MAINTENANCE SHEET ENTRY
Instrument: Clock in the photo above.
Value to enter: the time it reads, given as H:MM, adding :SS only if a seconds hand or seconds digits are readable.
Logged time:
6:45
